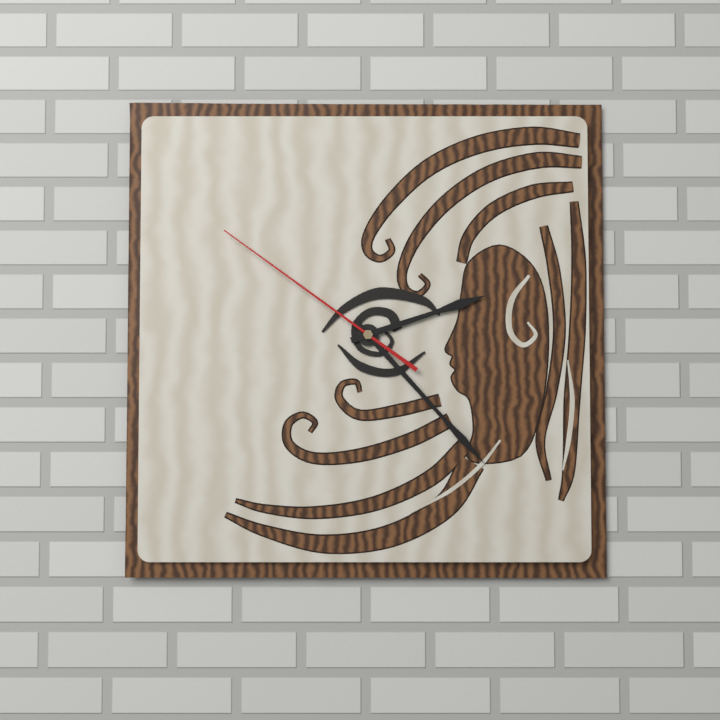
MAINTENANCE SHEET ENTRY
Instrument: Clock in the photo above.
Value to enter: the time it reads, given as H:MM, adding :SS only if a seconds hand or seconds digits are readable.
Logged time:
2:23:51
